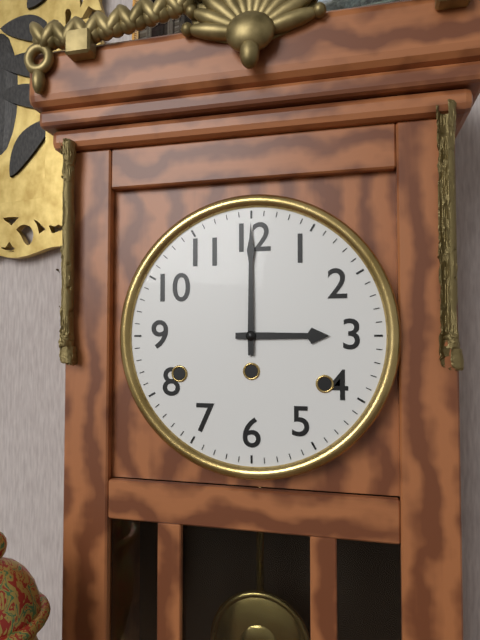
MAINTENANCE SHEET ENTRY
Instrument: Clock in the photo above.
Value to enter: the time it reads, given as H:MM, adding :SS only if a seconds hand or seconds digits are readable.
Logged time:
3:00
